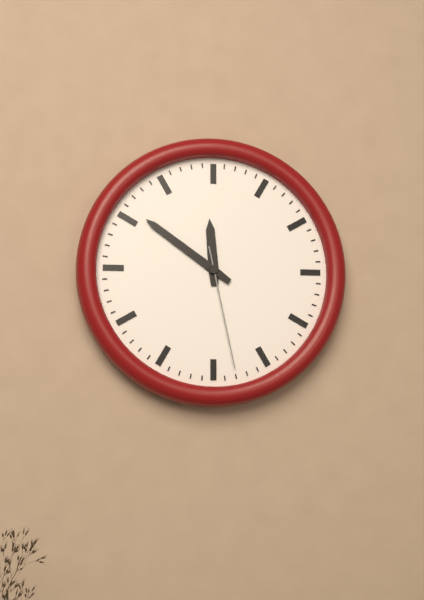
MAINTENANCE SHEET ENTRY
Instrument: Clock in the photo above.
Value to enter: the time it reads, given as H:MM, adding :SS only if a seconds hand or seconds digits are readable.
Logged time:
11:51:28
